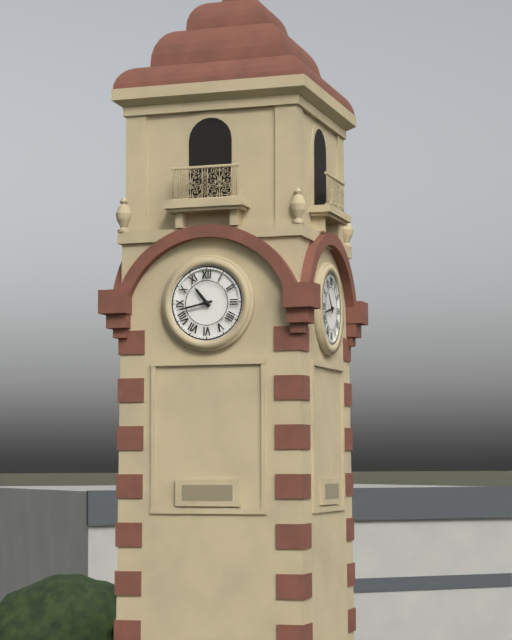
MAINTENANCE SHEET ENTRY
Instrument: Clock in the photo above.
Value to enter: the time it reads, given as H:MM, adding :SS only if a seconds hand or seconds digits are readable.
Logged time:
10:43
